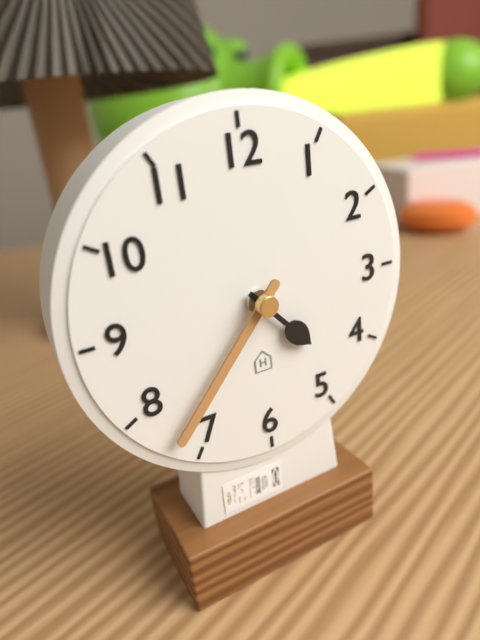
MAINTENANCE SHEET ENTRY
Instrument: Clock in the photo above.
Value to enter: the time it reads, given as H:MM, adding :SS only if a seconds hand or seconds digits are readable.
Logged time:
4:37
